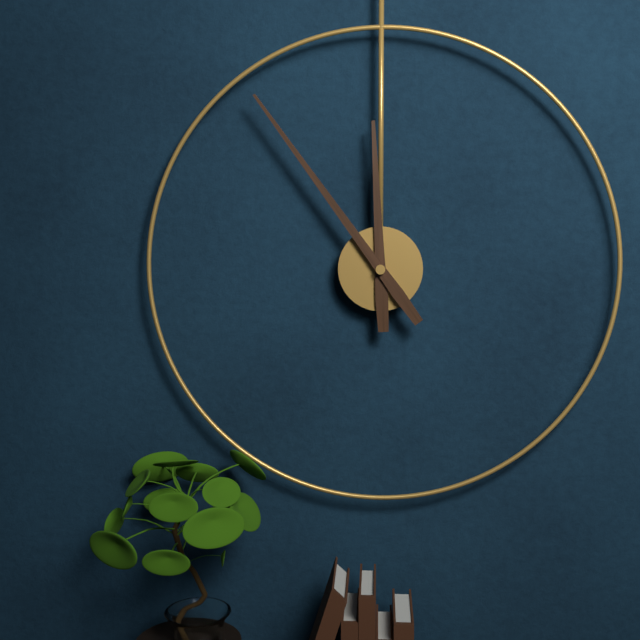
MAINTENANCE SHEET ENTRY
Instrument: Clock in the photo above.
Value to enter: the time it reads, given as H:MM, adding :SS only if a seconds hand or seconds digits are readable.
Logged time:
11:54
